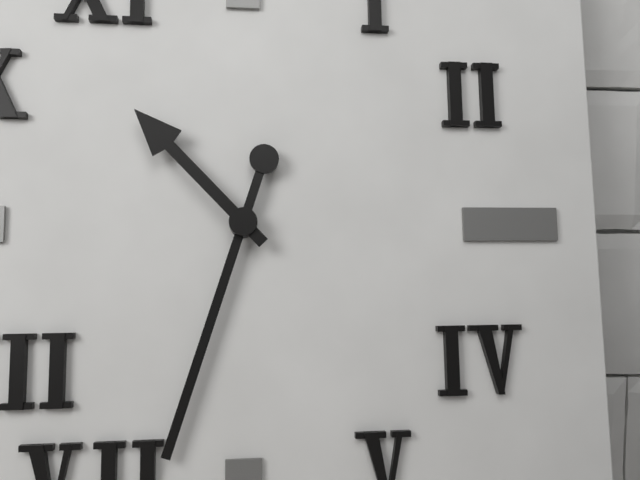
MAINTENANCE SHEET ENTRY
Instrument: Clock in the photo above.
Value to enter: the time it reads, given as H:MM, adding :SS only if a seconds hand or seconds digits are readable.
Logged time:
10:33
